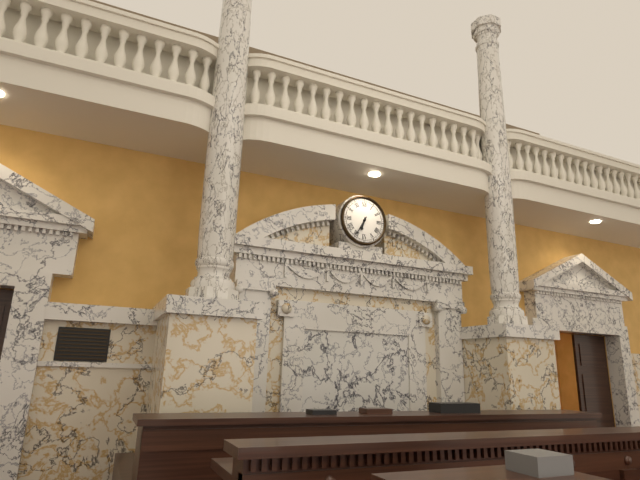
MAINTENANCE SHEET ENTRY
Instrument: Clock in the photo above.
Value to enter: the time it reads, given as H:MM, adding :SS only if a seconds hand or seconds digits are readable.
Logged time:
6:35
